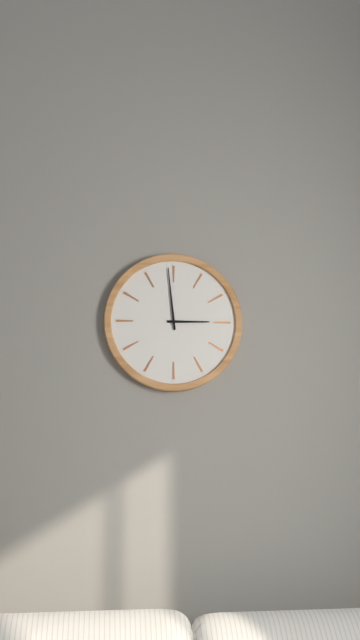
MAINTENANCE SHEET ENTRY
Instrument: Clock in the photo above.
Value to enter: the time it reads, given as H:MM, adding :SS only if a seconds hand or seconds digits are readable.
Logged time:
2:59
